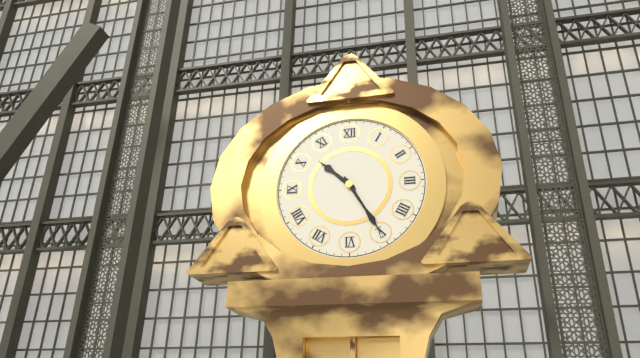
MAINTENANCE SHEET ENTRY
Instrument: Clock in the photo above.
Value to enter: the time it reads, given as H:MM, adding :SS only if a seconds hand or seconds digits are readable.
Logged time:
10:25
